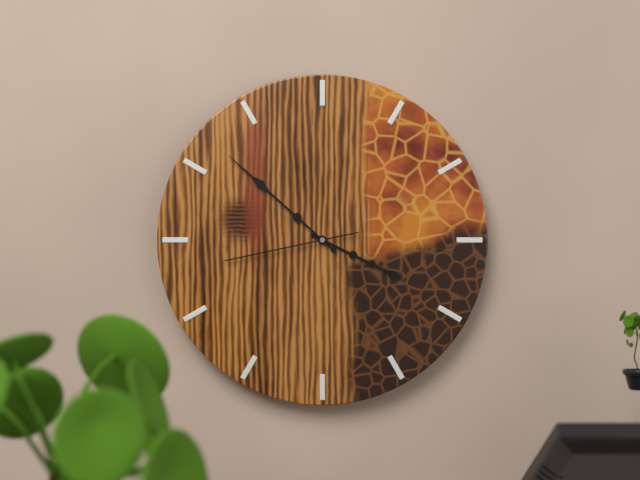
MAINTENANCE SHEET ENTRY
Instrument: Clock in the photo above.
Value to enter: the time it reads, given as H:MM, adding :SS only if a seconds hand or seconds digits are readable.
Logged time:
3:52:43
